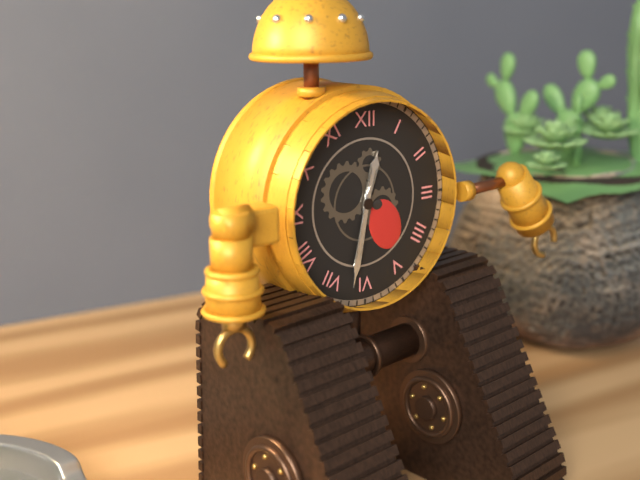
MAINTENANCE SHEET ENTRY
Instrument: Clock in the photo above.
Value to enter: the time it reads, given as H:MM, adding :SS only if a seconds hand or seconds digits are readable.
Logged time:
12:32
